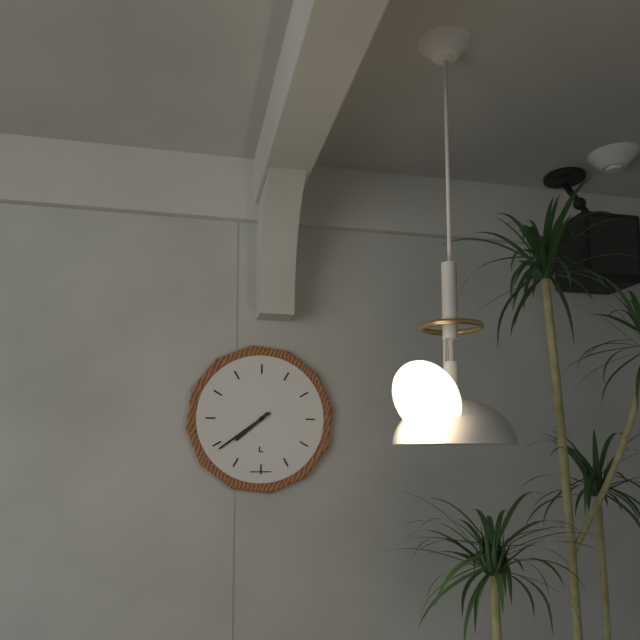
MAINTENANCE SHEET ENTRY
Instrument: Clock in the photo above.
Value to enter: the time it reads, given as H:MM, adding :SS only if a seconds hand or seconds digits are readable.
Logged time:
7:39
